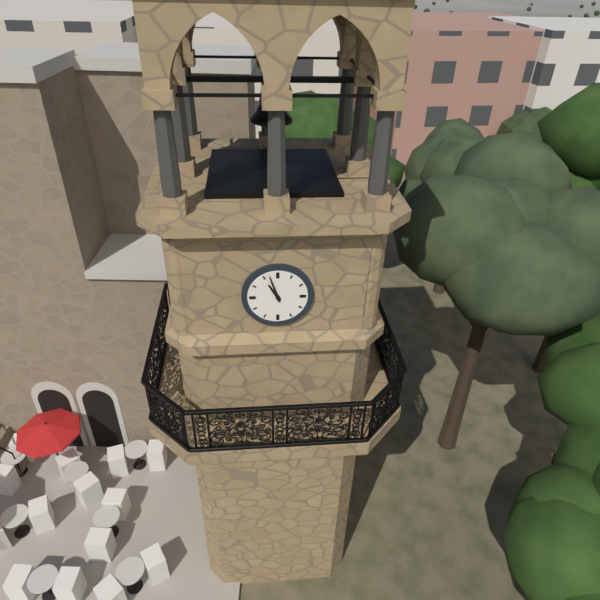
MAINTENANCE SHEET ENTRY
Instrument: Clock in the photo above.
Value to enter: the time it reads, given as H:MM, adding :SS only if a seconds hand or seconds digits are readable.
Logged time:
10:57
